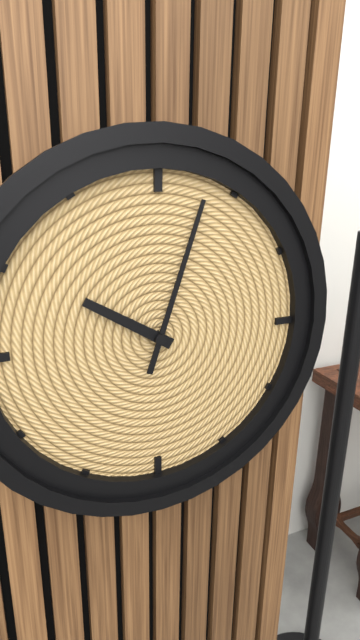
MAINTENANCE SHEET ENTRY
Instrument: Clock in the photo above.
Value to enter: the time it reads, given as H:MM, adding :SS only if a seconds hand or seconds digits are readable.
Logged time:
10:03
